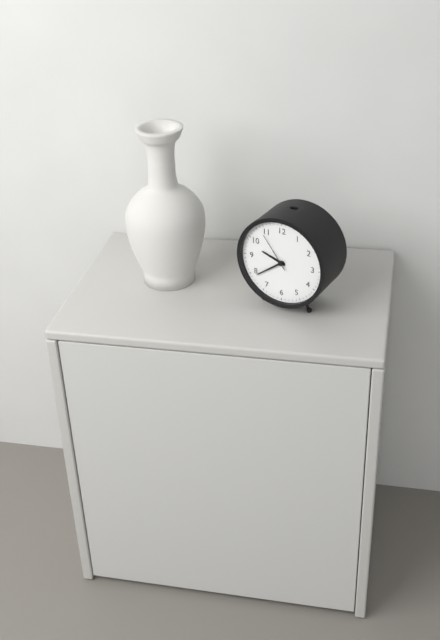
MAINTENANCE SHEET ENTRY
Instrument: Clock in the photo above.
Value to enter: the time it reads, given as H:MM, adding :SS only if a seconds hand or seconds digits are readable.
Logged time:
9:39
